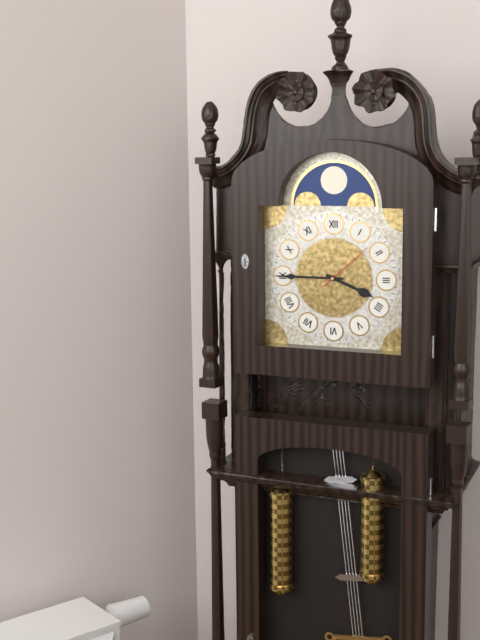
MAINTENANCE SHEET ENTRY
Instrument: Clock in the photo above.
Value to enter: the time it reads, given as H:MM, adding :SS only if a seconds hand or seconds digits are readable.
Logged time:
3:45:08
